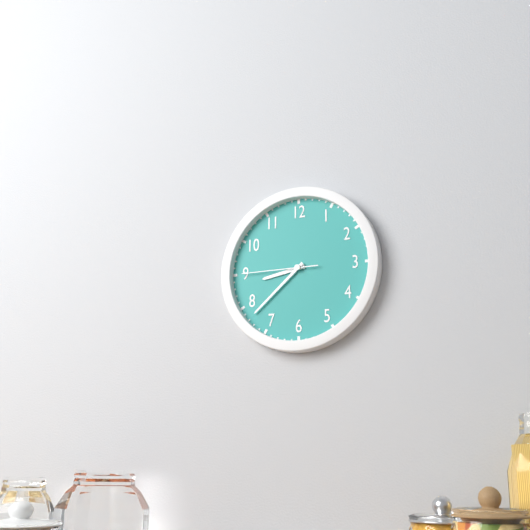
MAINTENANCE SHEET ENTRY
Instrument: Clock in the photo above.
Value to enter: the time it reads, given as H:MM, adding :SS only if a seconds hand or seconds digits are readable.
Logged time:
8:38:45
